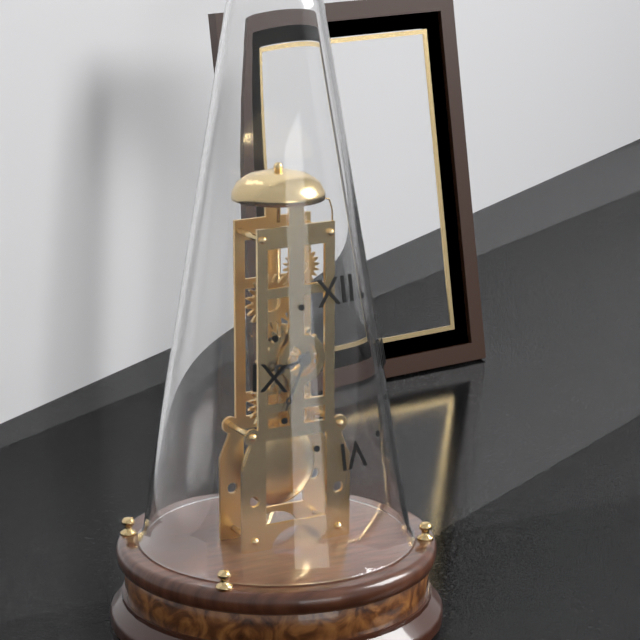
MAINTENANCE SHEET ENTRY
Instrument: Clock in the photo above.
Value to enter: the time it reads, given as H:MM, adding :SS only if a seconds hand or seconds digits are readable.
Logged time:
8:34
